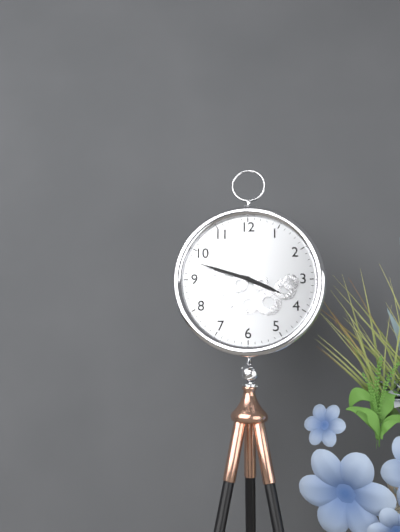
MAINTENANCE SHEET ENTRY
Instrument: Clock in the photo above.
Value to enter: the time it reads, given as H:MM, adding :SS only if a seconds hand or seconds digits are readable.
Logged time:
3:48
